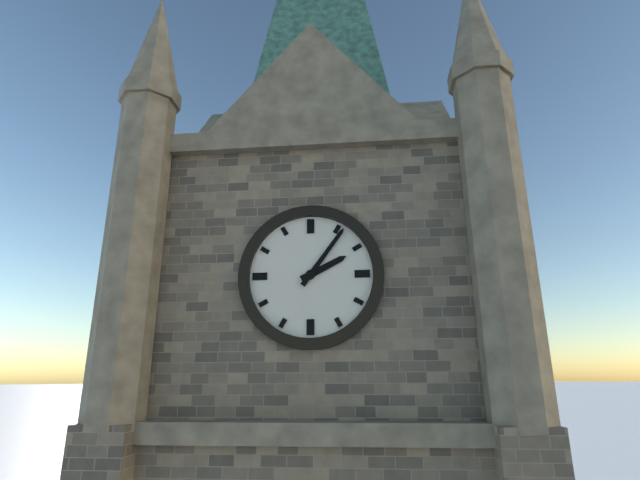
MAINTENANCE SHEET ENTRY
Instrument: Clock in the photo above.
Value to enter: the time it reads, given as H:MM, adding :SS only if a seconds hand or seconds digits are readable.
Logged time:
2:06
